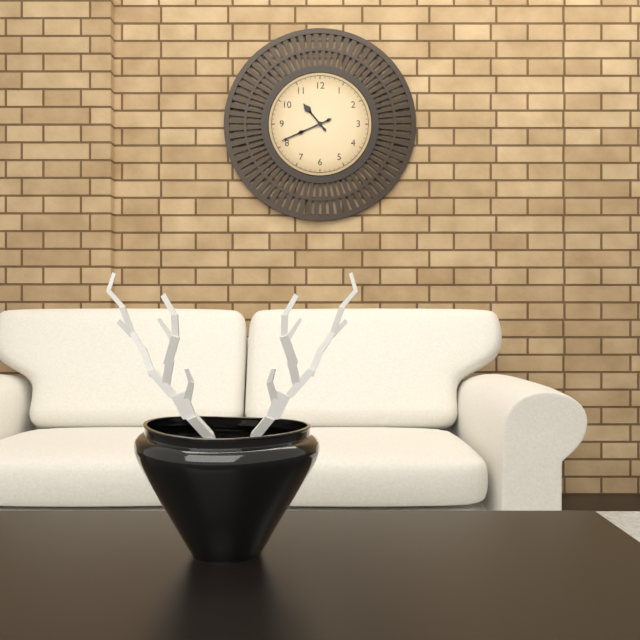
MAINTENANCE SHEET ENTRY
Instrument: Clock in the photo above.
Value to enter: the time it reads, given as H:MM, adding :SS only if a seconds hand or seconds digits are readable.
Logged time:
10:41
